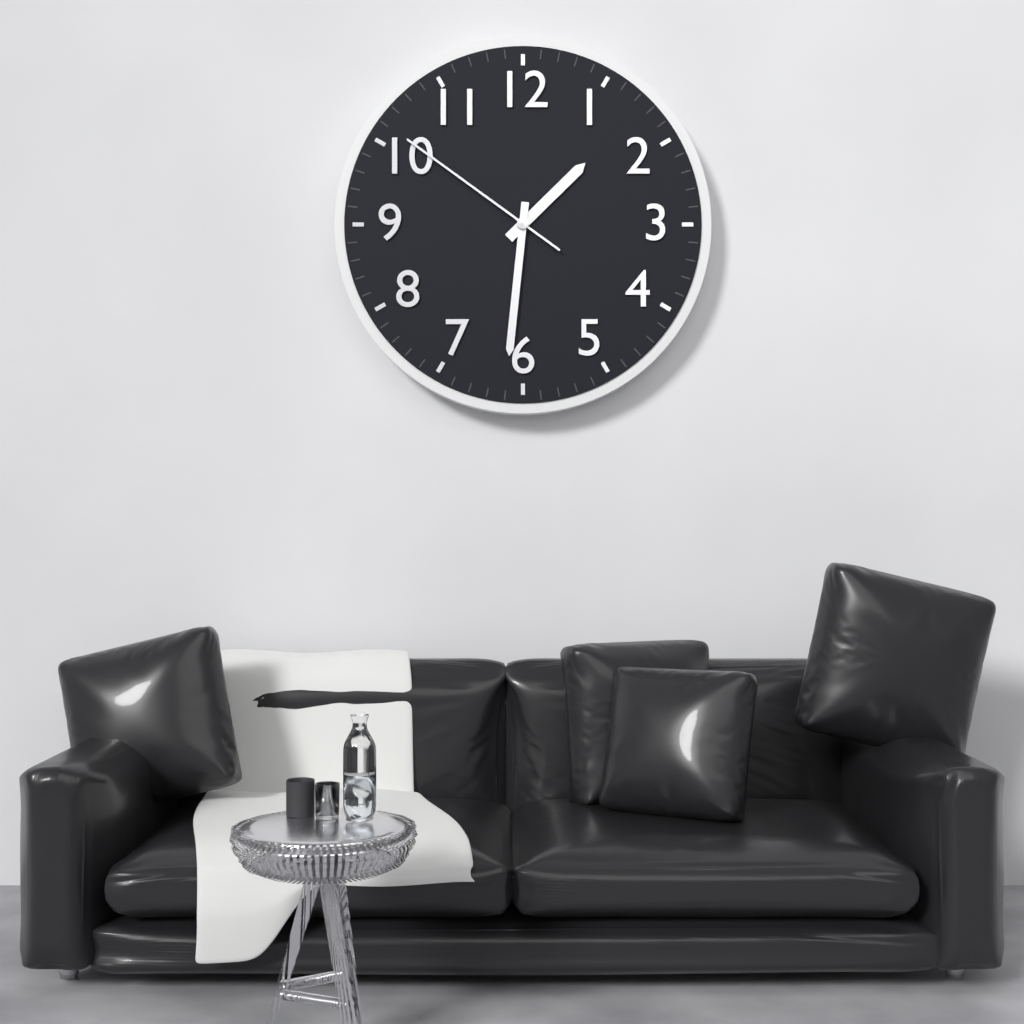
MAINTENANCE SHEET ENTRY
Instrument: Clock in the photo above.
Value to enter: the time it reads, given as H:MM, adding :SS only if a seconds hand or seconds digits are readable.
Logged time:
1:31:51
